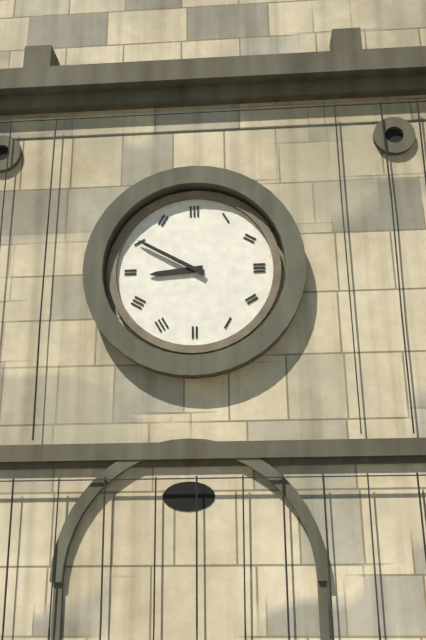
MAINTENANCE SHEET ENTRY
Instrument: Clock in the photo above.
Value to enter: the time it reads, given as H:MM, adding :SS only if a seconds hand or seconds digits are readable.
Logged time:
8:50
